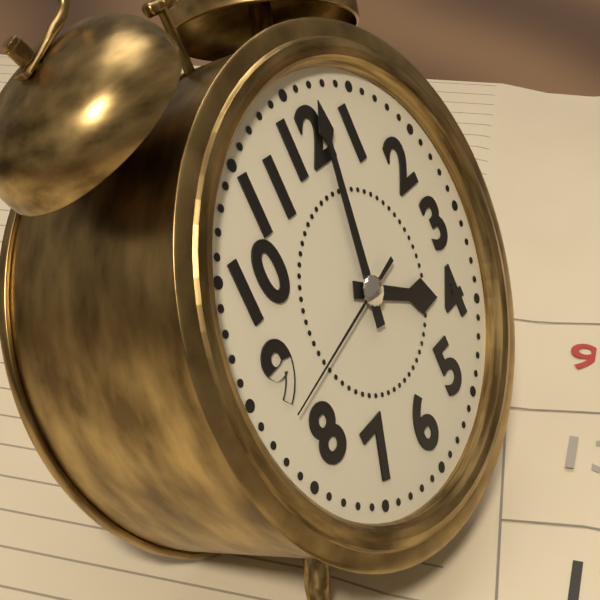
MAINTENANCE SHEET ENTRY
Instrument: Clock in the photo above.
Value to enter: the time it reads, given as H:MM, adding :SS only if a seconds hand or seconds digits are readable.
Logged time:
4:02:43
